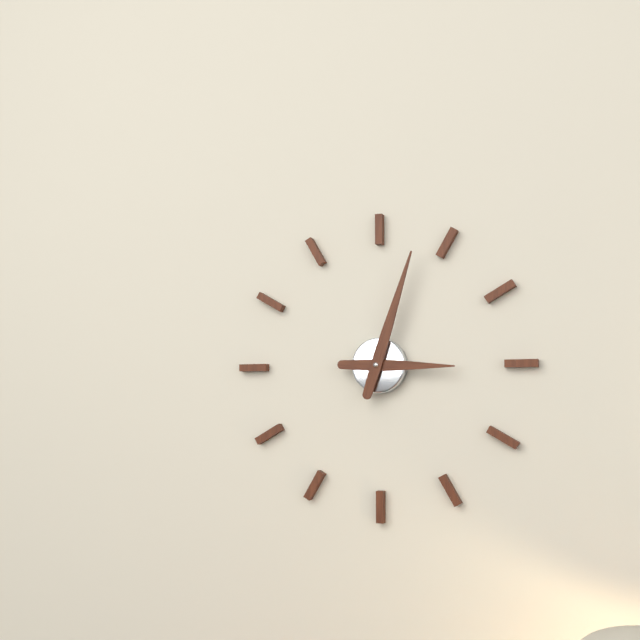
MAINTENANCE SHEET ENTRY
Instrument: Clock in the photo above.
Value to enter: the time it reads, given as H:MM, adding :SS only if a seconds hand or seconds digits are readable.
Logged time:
3:03
